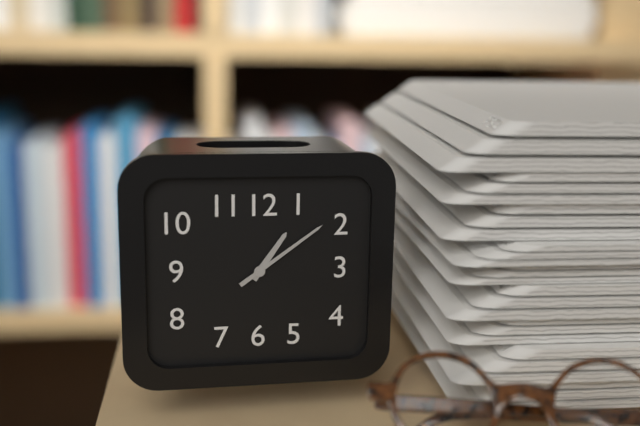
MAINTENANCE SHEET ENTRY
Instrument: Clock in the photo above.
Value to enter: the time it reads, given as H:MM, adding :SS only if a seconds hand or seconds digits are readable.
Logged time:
1:09
